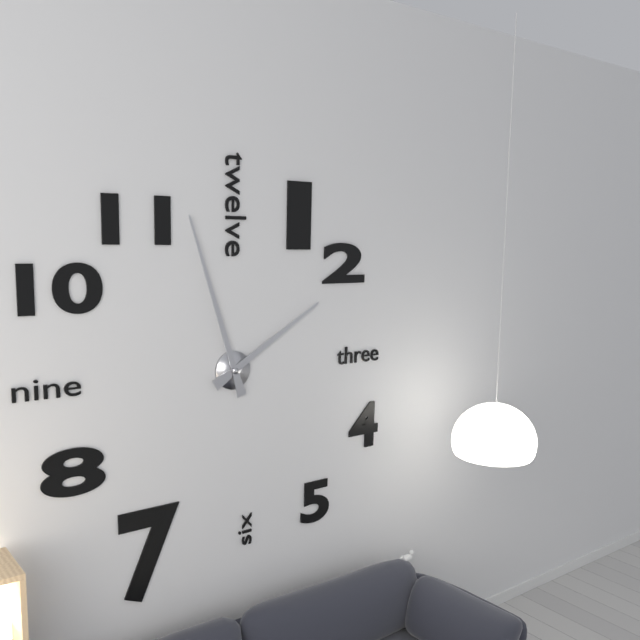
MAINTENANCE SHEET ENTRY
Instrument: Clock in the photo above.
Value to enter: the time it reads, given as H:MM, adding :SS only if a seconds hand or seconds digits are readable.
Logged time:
1:57
